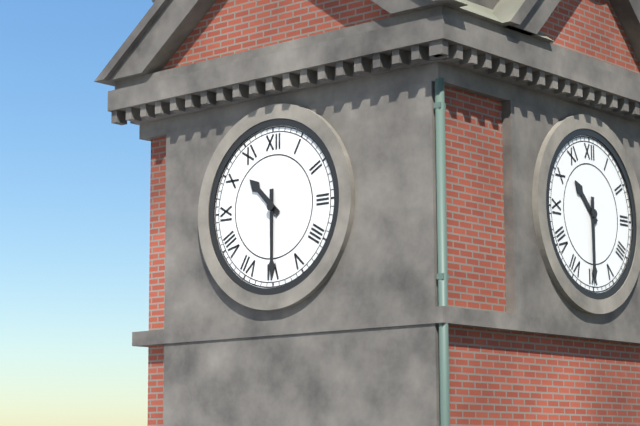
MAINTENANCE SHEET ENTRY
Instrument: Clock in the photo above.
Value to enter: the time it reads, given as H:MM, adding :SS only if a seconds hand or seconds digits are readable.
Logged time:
10:30
